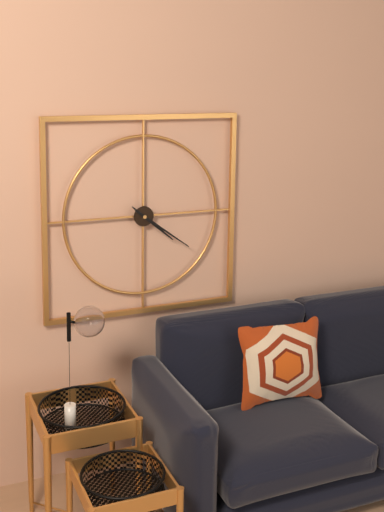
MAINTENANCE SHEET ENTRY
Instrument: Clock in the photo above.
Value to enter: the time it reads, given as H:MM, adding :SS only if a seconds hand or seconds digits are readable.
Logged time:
4:21
